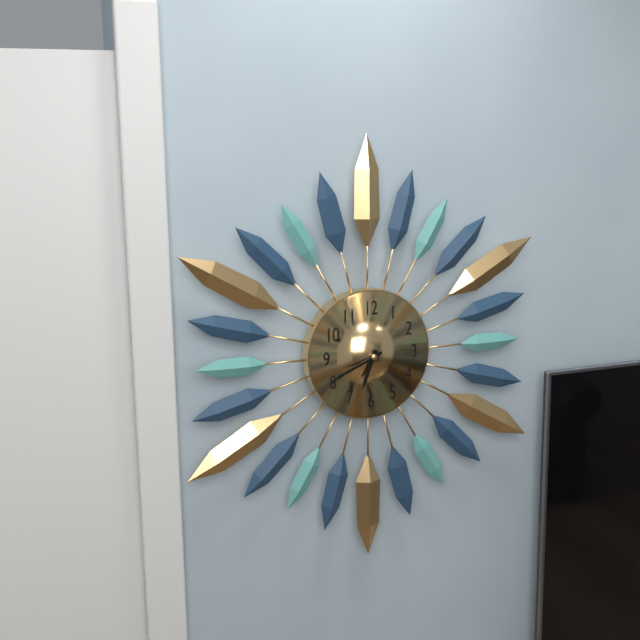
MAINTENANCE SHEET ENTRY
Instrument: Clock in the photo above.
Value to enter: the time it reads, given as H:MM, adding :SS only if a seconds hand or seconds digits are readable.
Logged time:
6:41
